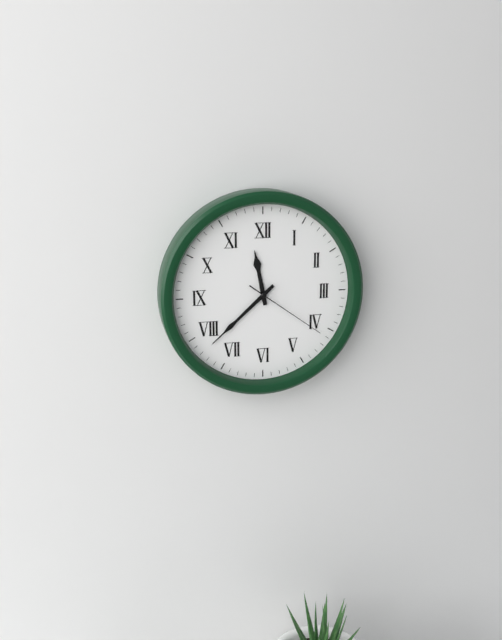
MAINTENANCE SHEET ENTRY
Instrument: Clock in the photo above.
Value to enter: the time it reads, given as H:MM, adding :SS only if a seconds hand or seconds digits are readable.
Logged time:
11:38:21
